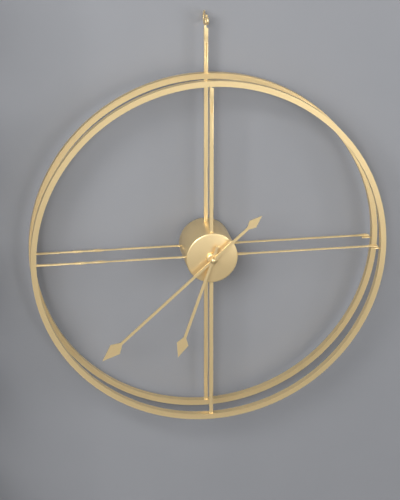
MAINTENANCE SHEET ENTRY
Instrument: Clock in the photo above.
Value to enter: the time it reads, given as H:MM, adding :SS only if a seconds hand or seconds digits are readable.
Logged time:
6:38
